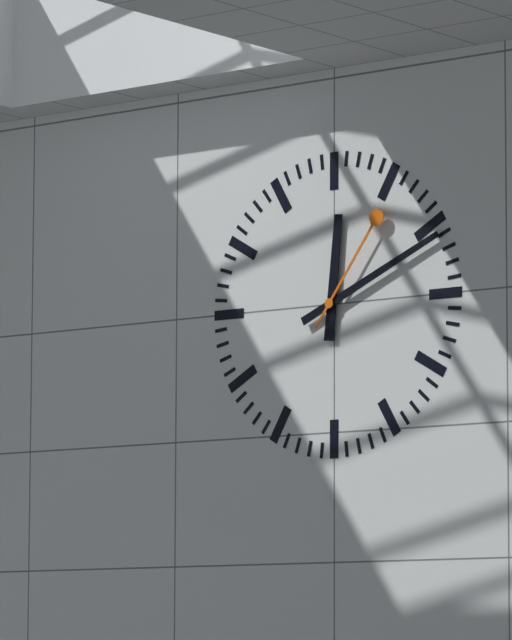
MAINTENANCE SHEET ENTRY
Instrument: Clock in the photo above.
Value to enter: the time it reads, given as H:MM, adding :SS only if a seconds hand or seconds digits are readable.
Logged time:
12:11:06
